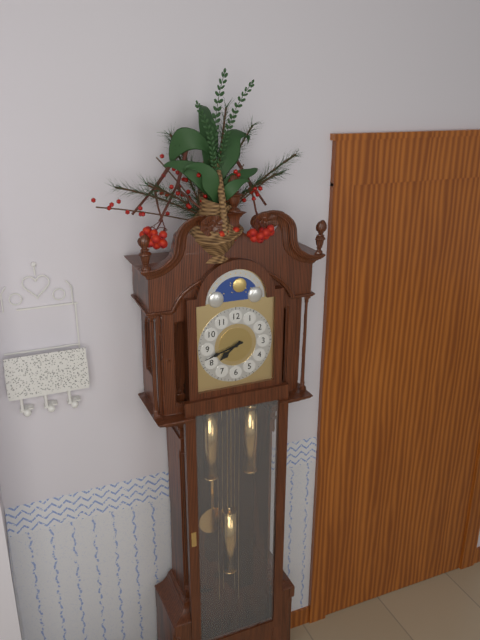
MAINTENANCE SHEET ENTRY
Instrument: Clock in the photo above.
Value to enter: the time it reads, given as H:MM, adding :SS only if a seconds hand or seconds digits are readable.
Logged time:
7:42
